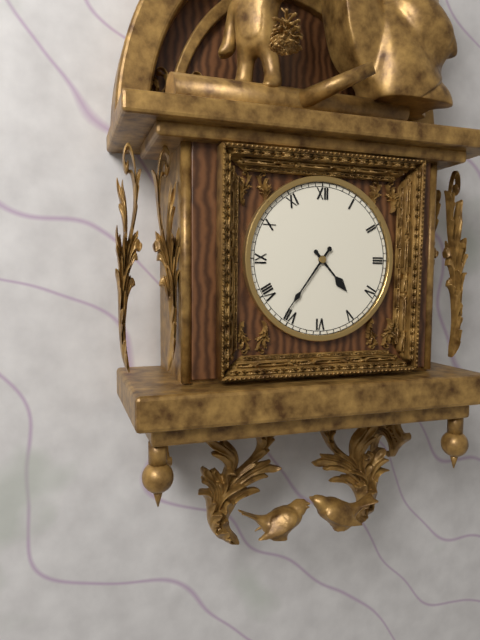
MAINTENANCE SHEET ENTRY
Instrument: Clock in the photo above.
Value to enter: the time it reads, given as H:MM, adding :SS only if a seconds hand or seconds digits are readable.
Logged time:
4:36
